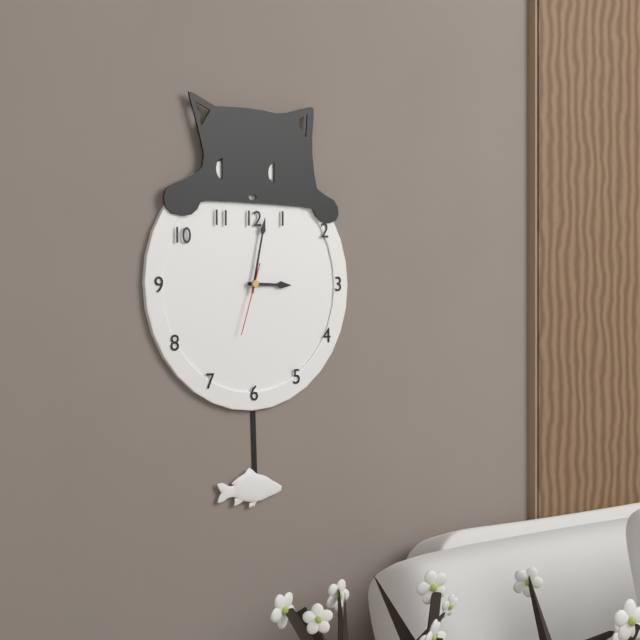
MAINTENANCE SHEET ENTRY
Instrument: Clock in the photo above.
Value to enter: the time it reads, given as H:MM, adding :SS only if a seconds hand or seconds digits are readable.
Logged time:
3:02:33
